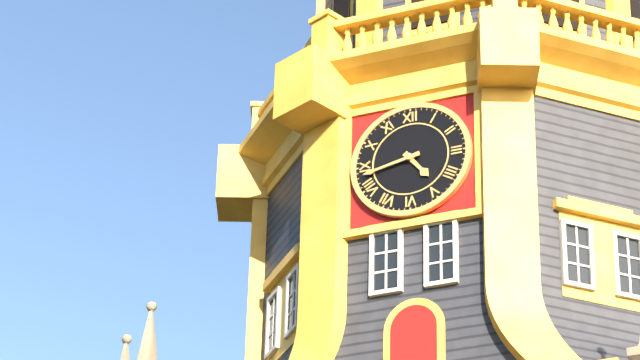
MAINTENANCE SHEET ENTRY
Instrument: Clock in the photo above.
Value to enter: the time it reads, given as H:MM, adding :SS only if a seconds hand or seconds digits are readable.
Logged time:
4:43
